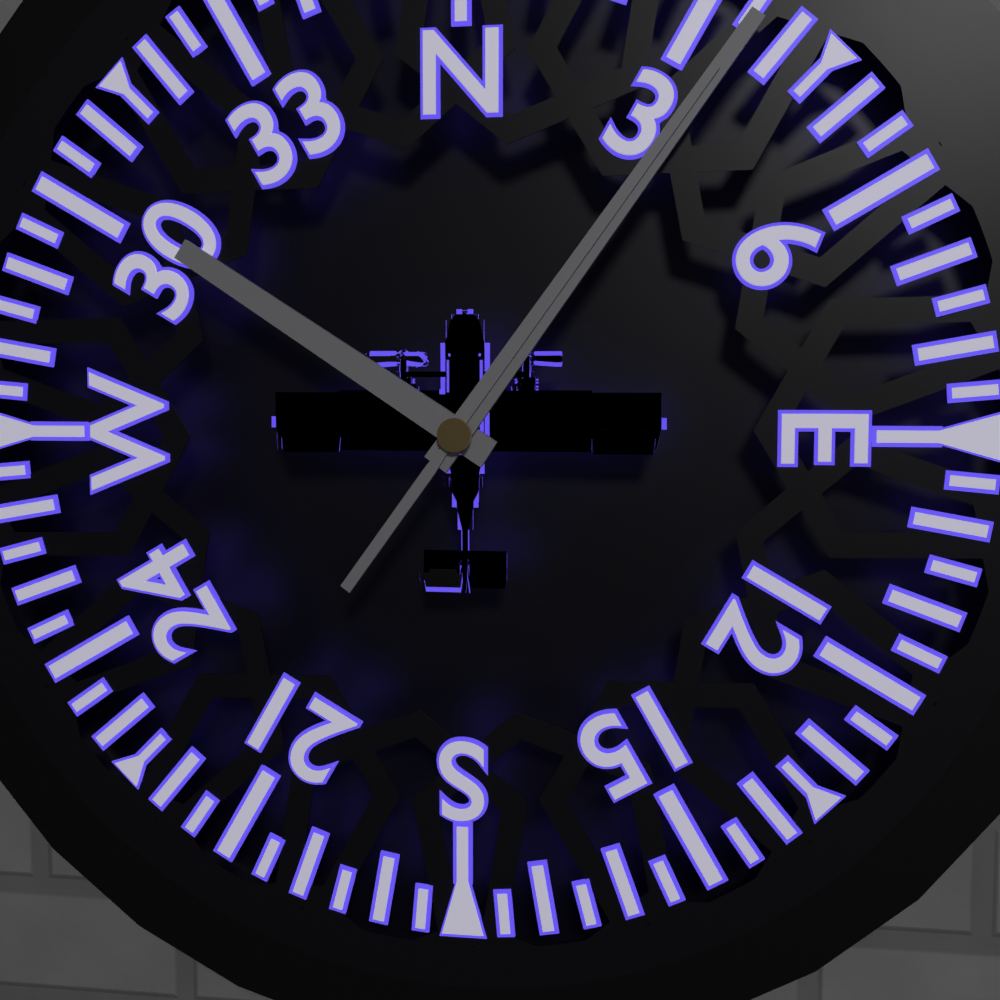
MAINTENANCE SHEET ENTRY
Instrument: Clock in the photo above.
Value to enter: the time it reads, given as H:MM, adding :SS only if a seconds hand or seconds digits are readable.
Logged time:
10:06:06
